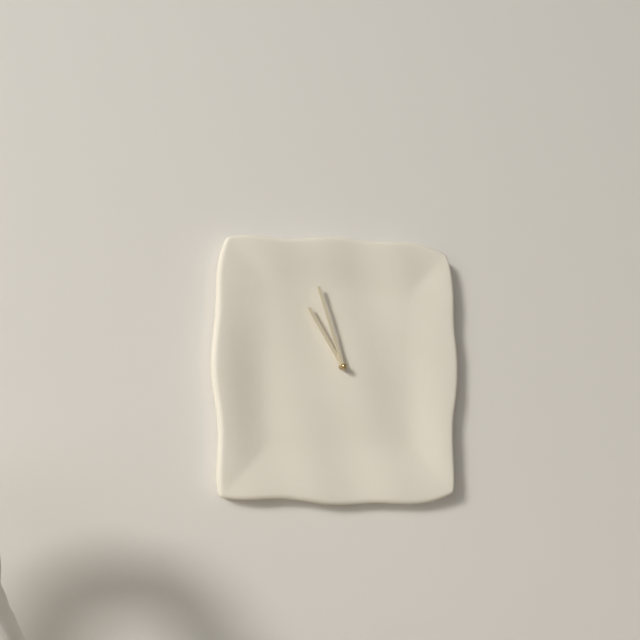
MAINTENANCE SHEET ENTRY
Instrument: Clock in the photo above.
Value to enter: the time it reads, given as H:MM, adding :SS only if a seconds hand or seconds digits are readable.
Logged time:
10:57
